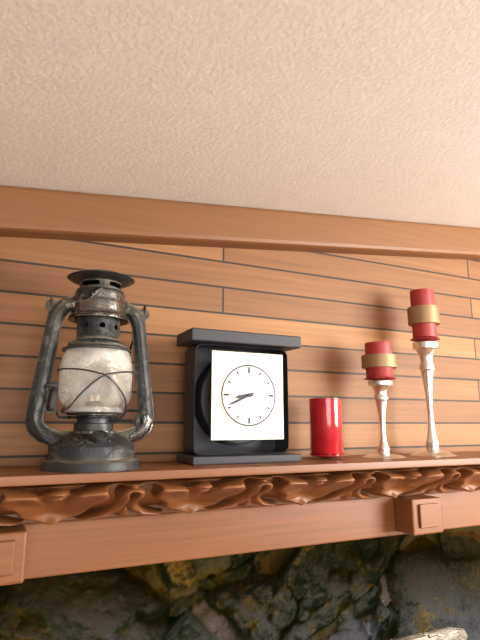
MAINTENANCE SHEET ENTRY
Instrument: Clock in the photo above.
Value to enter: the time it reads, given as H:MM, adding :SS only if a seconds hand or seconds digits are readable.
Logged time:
8:41
